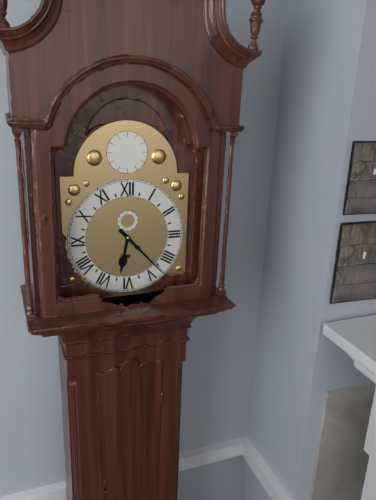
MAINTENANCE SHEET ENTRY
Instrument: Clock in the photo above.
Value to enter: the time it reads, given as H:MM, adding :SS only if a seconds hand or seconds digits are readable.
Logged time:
6:23
